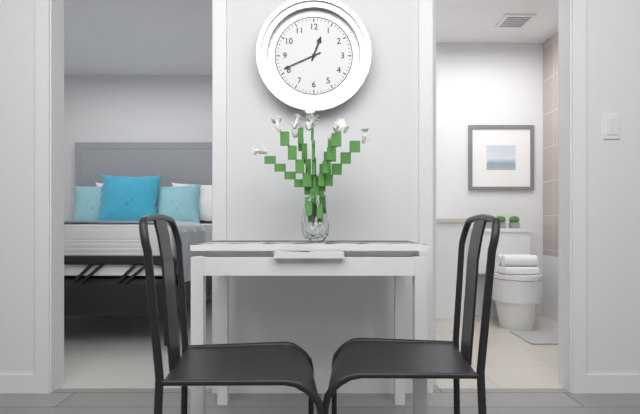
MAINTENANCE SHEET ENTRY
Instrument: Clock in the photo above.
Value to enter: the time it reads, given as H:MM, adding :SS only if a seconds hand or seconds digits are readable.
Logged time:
12:41
